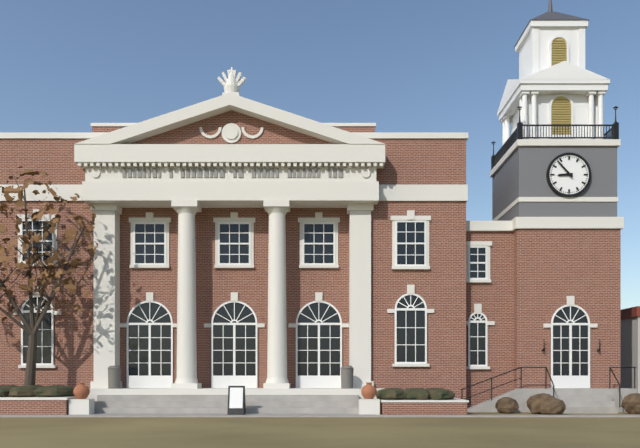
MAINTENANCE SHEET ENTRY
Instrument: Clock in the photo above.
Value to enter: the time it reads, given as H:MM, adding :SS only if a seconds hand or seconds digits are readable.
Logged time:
8:53
